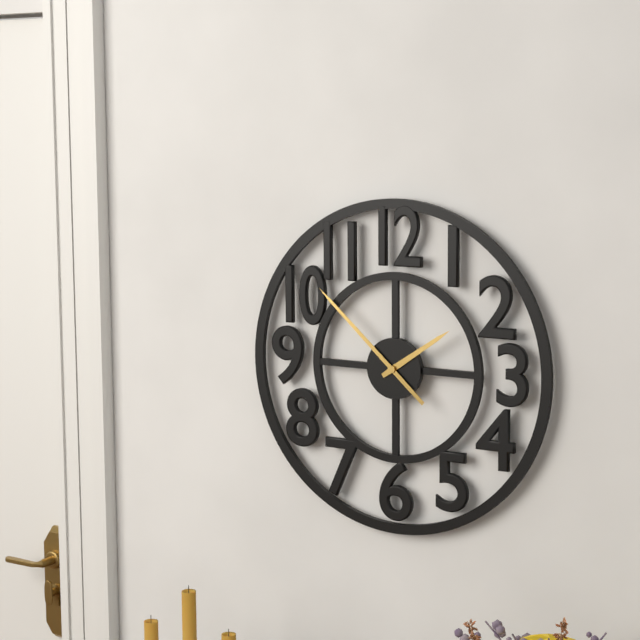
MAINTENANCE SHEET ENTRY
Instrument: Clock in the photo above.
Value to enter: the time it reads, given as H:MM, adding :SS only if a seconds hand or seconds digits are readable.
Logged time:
1:52
